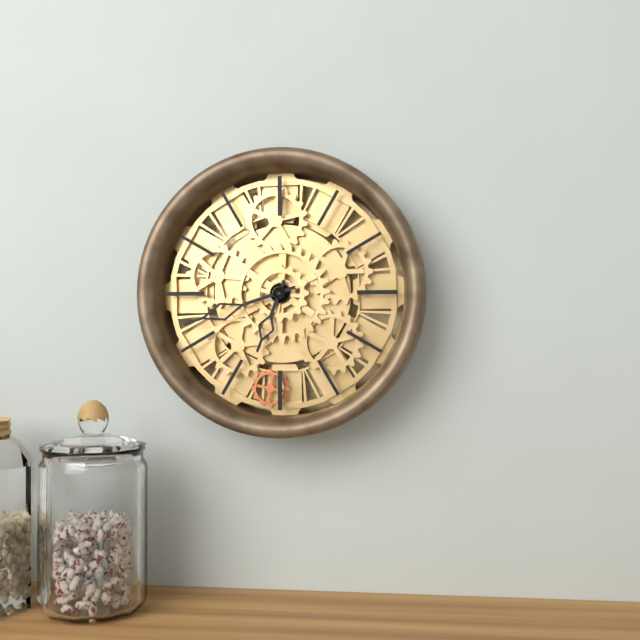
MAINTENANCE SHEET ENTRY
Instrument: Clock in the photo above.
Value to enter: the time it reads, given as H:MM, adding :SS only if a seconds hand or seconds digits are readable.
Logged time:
6:42
